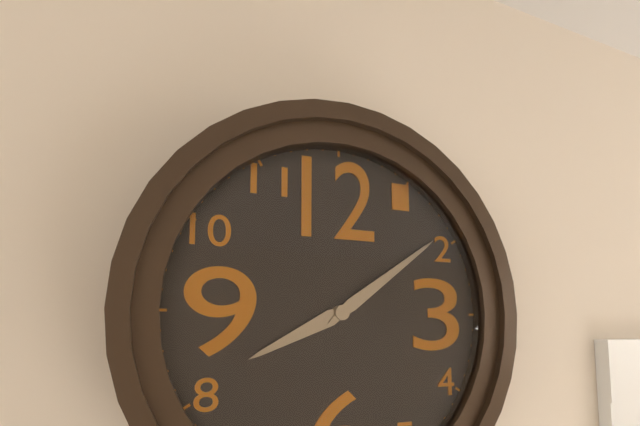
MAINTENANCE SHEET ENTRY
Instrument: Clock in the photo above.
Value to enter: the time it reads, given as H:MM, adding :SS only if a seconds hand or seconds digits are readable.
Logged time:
8:09
